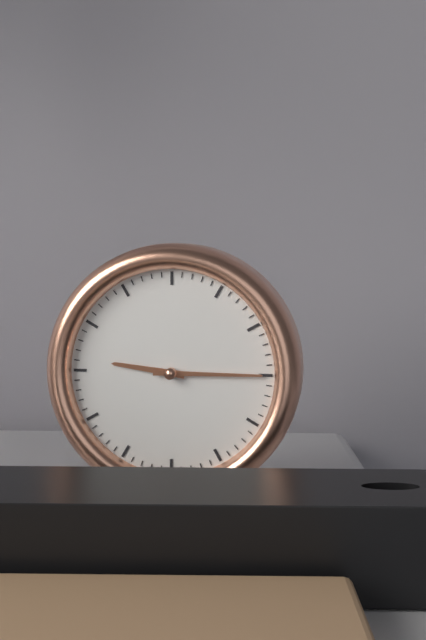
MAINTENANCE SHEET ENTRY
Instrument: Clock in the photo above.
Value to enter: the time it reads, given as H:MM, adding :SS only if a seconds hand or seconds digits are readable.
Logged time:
9:15
